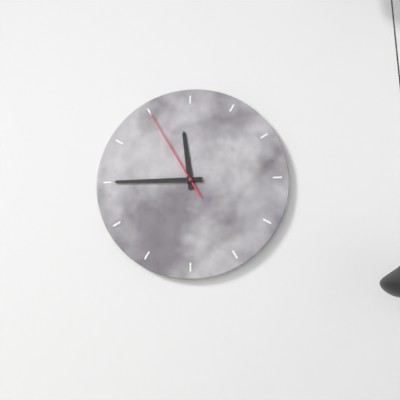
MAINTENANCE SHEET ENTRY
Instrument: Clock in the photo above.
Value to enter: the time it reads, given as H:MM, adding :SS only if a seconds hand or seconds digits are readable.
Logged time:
11:45:55
